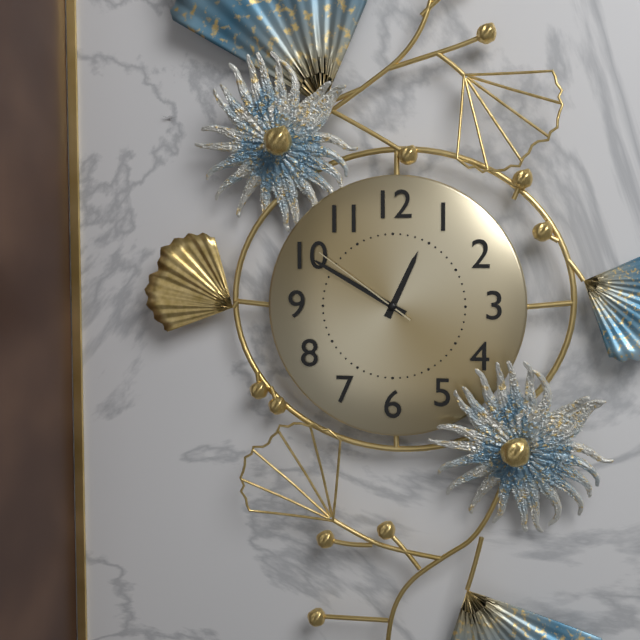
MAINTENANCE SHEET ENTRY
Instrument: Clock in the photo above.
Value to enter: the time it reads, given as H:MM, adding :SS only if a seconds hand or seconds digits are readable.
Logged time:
12:50:51
